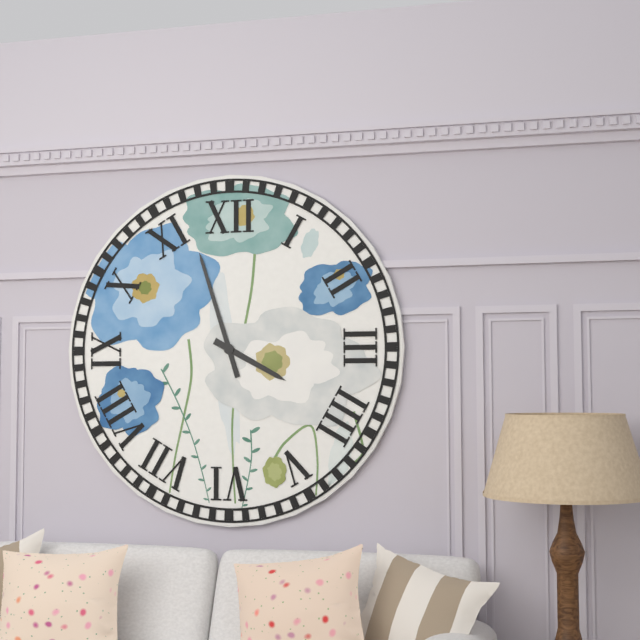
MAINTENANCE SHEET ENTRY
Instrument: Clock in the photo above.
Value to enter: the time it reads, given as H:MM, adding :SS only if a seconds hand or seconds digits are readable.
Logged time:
3:57
